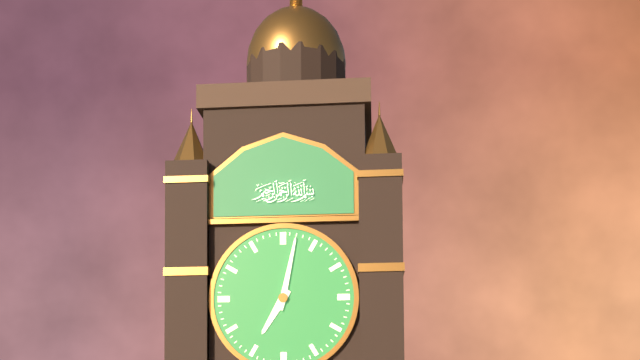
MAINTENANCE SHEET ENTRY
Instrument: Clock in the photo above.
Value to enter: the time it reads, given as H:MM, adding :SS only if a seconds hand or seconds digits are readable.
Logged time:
7:02
